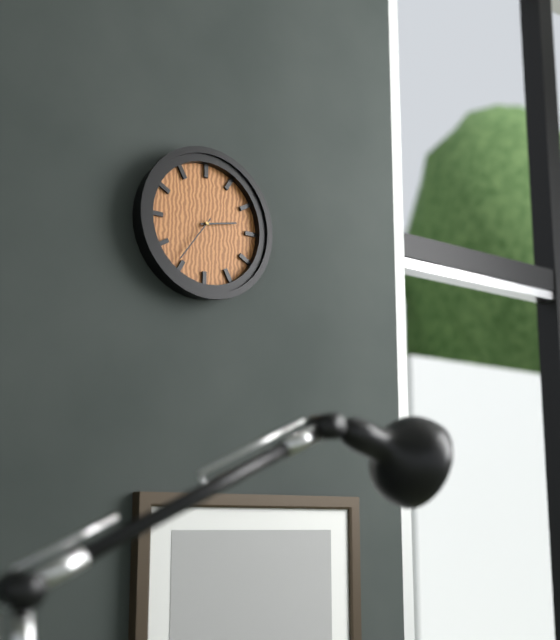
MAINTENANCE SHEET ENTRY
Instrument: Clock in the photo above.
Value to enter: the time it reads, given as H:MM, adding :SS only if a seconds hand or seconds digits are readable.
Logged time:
2:36
